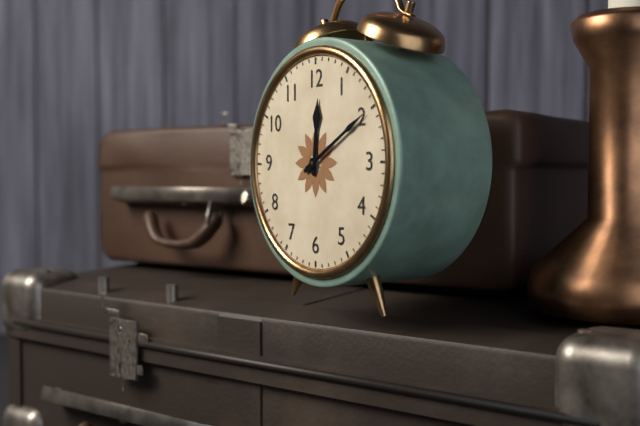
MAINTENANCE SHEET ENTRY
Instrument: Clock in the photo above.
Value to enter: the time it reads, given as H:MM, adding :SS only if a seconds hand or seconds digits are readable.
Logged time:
12:10
